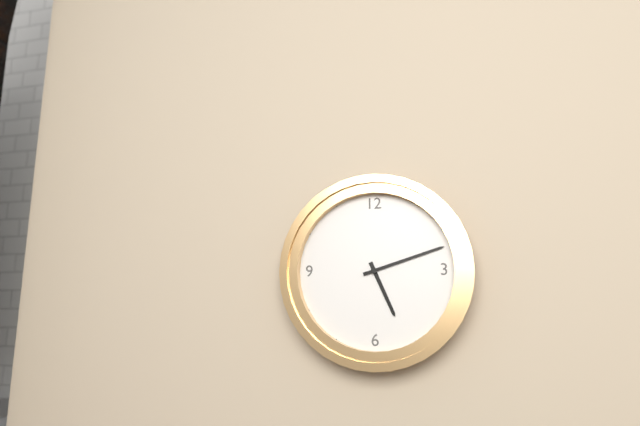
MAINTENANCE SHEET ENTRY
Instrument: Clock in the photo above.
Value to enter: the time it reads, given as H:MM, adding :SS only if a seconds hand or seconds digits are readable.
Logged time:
5:12
